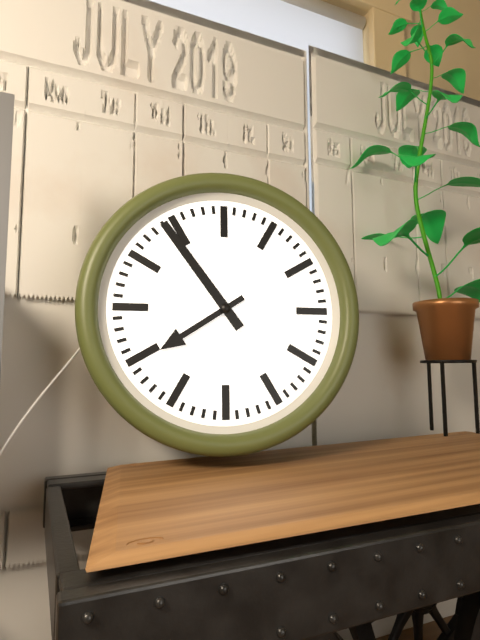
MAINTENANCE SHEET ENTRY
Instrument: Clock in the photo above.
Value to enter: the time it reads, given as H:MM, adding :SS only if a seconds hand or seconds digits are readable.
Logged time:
7:54
